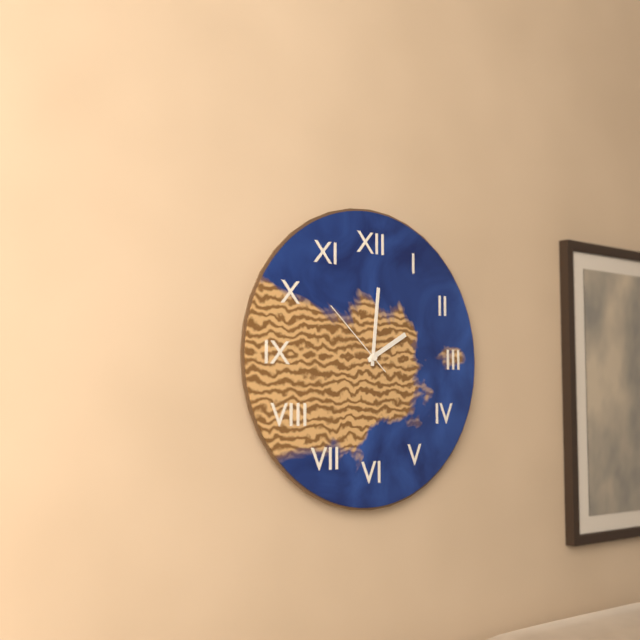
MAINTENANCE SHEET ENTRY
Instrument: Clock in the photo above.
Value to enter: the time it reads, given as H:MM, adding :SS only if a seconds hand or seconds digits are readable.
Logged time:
2:01:52
